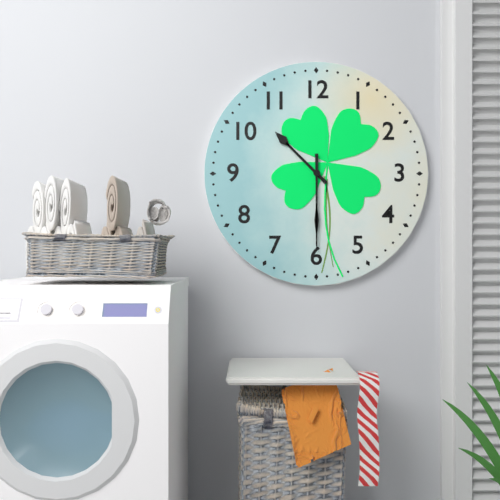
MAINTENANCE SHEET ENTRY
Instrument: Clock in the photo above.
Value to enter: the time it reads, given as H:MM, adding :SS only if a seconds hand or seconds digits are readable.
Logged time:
10:30
